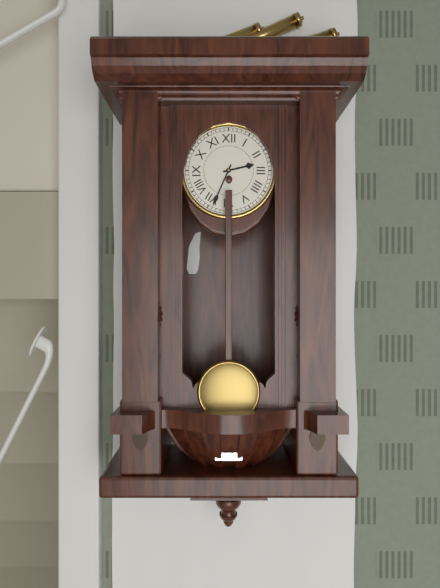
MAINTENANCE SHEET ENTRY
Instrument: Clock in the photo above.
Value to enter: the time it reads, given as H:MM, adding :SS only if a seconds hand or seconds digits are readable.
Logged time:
2:34
